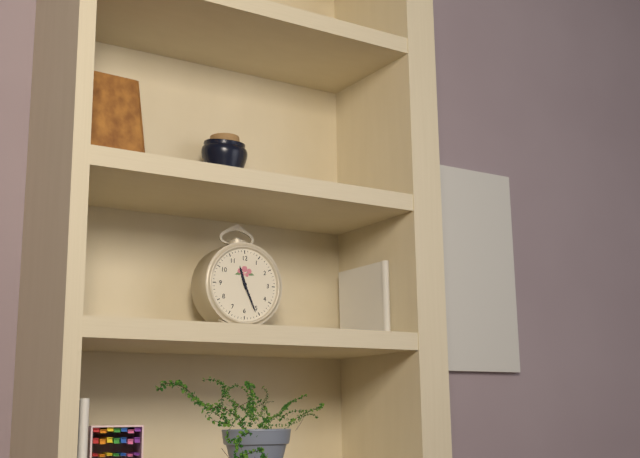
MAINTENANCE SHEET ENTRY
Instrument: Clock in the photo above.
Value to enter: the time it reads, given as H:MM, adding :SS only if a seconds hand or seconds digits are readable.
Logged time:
11:26
